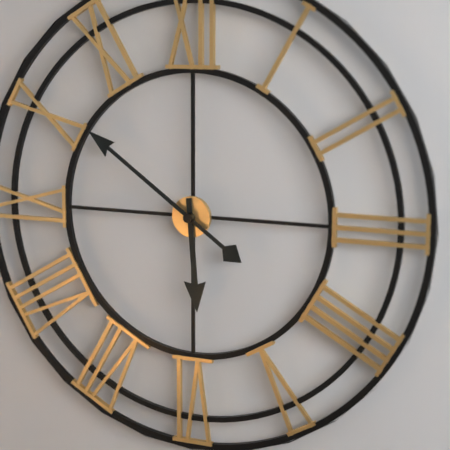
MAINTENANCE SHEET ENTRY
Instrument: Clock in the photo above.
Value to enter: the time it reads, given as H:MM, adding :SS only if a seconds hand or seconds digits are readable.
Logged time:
5:51
